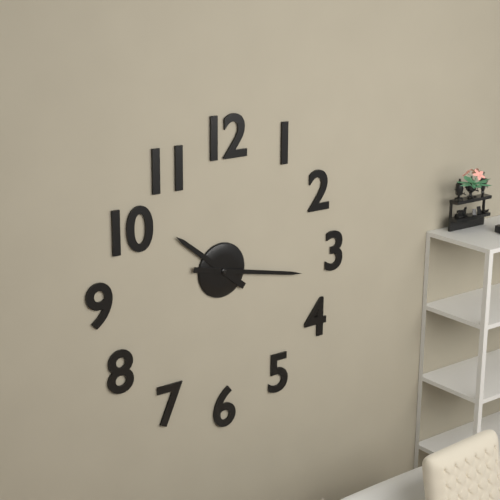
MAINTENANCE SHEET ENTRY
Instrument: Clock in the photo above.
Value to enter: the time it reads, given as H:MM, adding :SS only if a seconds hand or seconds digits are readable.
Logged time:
10:17
